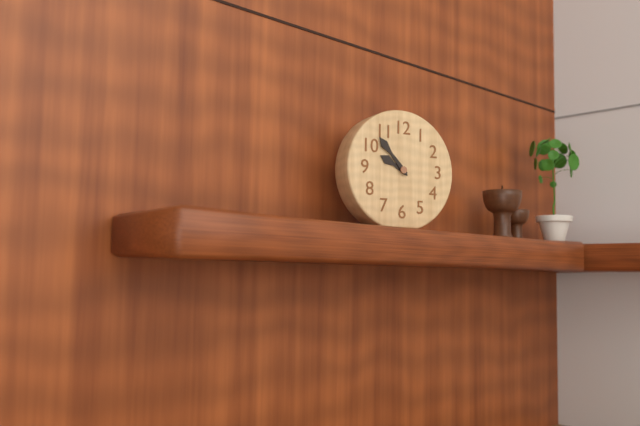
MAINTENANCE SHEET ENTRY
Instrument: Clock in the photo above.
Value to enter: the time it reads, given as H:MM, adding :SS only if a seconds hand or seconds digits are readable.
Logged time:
9:53
